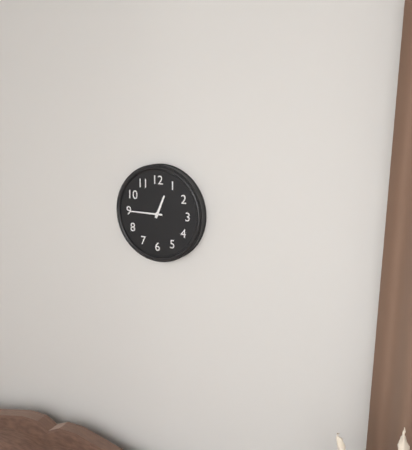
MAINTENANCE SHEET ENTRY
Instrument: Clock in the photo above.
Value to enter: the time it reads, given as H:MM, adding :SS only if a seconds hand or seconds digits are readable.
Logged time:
12:45
